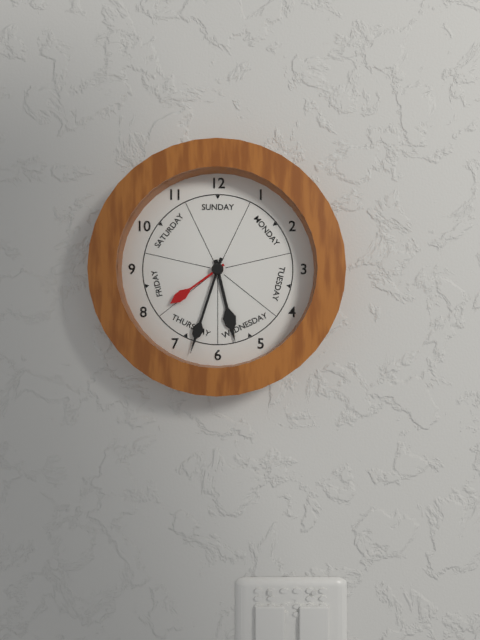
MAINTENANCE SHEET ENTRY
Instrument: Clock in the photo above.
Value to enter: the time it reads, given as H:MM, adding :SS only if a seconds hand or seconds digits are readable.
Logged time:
5:33:39
